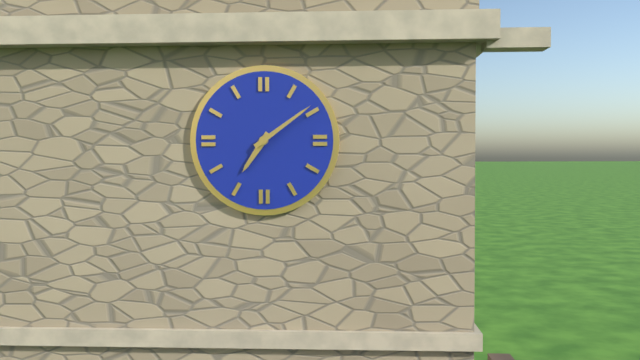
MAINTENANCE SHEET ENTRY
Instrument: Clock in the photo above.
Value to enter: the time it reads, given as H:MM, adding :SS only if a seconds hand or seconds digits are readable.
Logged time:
7:09
